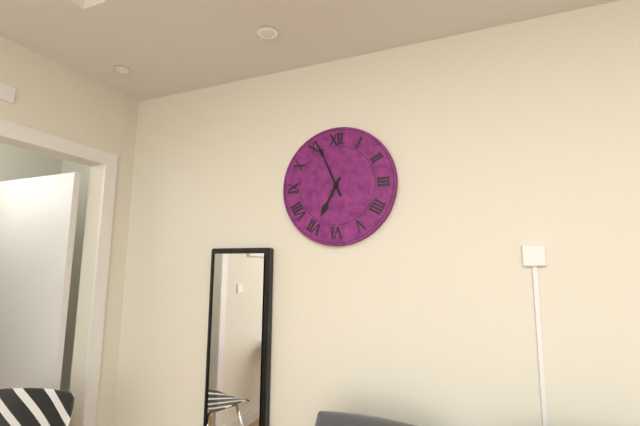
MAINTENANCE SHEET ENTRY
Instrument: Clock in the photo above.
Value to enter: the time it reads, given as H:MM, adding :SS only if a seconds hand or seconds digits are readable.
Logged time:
6:56
